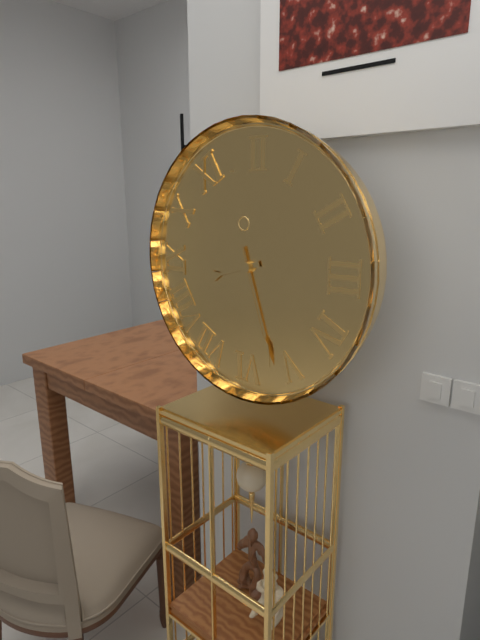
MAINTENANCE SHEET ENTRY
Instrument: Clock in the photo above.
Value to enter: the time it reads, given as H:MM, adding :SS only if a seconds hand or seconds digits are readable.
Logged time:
8:27
